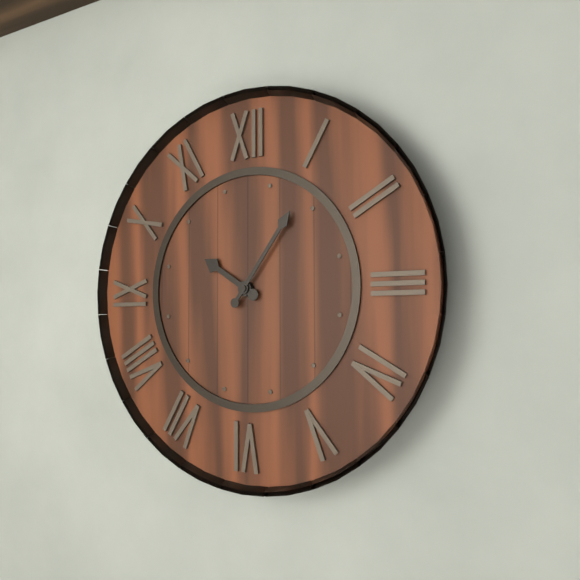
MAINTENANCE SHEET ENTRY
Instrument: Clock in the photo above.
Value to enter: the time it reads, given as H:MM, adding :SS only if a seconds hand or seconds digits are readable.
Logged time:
10:06
